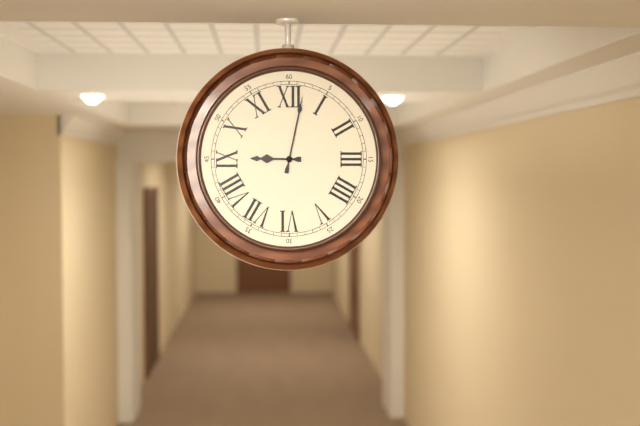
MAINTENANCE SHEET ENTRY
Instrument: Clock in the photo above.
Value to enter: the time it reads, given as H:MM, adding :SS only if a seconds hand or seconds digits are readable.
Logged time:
9:02
